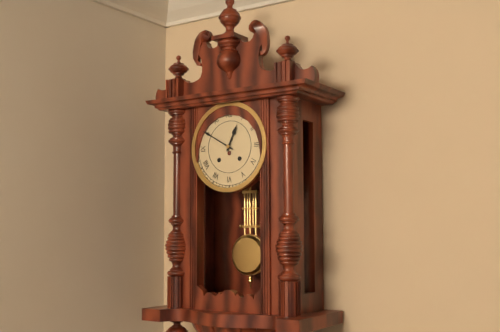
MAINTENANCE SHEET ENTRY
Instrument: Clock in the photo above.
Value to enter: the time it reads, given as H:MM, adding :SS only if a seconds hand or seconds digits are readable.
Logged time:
12:50
